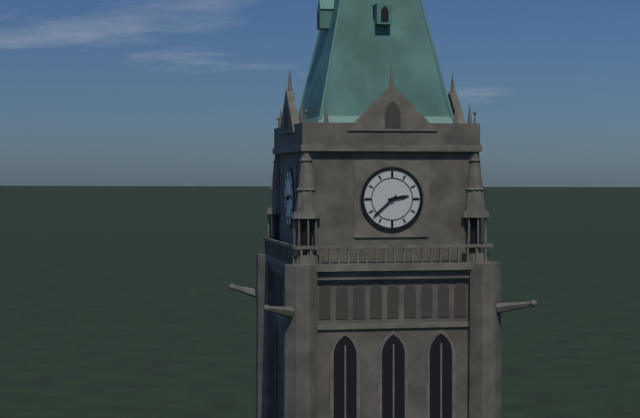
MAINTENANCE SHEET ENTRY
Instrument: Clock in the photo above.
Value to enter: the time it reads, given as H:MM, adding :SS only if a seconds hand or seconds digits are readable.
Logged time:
2:38
